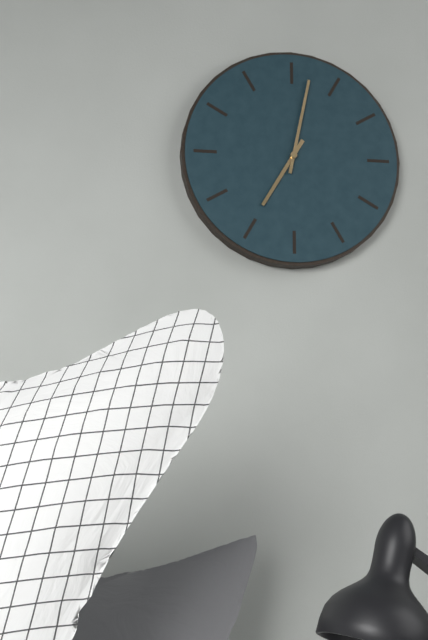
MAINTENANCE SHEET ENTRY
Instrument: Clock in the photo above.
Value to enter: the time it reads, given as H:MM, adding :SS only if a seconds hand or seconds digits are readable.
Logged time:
7:02
